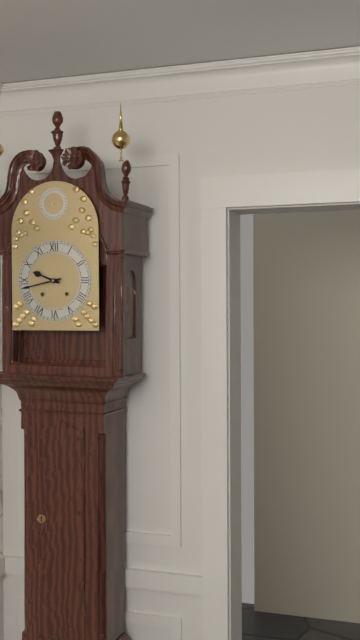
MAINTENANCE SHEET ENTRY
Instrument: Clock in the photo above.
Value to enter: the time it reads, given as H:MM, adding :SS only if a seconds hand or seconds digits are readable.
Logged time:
9:43
